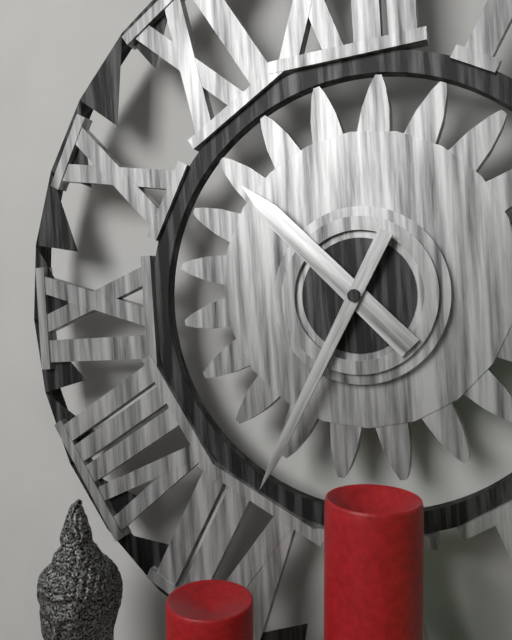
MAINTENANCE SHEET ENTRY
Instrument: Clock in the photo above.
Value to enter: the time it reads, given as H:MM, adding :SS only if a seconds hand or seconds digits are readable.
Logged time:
10:35
